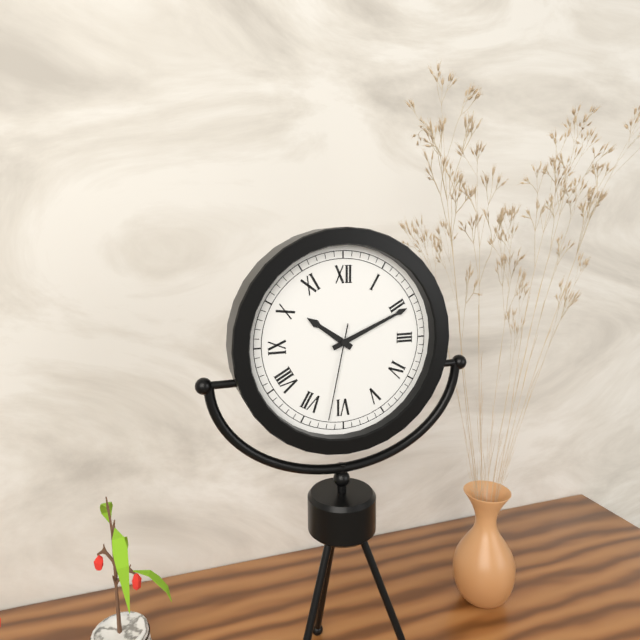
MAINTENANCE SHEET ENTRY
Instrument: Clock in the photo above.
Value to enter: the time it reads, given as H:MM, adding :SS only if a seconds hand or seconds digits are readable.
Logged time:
10:11:32
